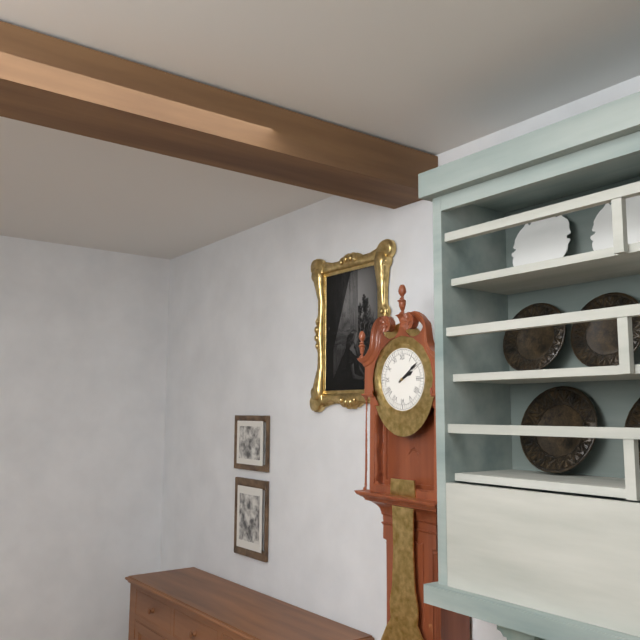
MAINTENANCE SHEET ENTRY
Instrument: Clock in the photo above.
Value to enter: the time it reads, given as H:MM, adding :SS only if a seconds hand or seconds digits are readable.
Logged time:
2:09
